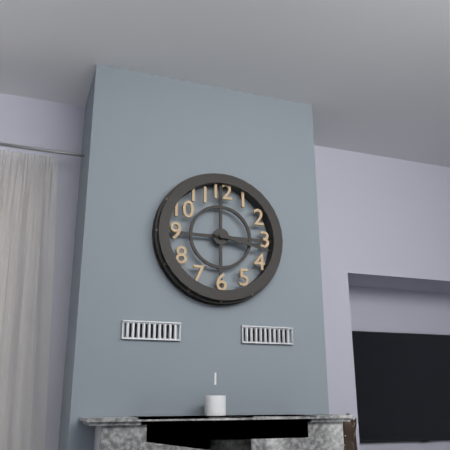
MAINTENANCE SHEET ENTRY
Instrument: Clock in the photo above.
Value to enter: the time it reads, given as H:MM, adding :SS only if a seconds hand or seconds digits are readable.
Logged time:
3:17
